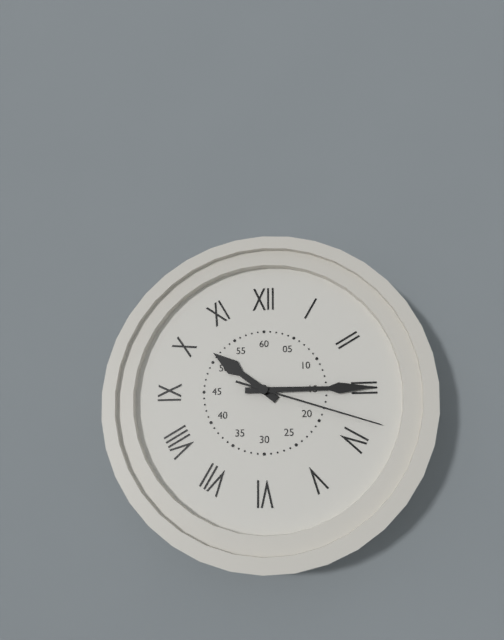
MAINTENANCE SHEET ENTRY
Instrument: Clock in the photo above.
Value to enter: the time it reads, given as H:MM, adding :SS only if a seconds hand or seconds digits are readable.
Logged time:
10:15:18
